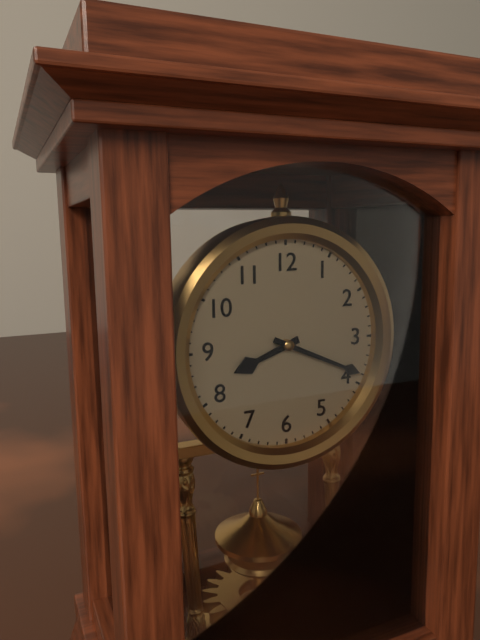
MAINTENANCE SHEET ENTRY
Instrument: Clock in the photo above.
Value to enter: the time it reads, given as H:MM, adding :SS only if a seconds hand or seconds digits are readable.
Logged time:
8:19
